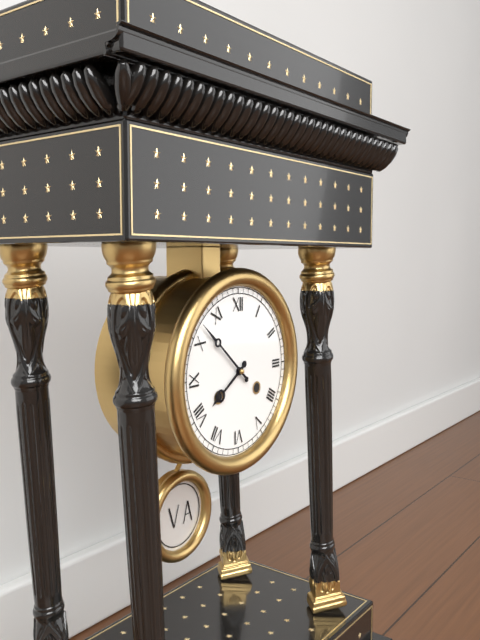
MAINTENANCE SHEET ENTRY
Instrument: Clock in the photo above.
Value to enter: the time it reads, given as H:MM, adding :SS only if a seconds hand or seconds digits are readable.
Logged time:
7:52
